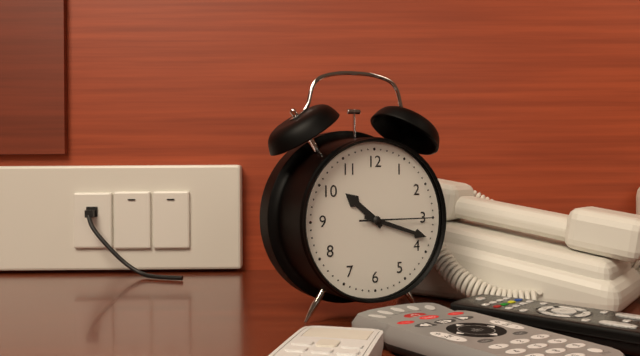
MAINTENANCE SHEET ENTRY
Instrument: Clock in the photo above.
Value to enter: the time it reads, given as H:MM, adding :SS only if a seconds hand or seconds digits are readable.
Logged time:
10:18:15
